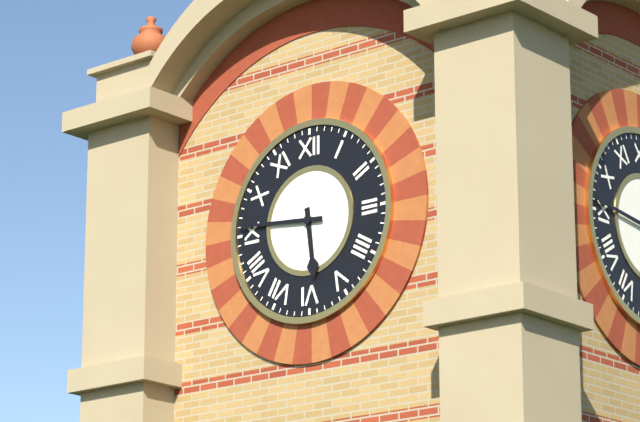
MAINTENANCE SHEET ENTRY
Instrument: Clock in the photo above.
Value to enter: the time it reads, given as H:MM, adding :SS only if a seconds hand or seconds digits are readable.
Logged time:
5:46
